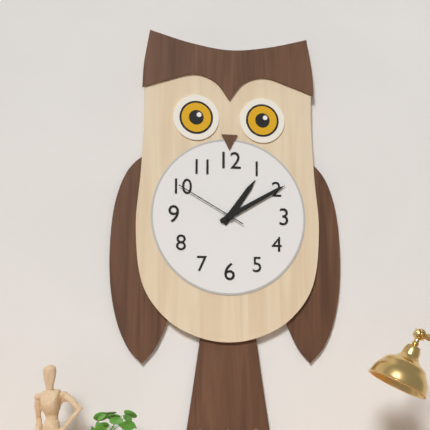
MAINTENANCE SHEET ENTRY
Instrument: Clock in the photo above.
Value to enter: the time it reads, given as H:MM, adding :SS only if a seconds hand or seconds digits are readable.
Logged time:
1:10:50
